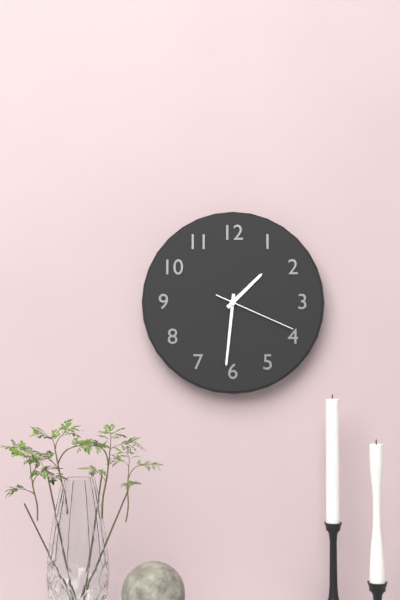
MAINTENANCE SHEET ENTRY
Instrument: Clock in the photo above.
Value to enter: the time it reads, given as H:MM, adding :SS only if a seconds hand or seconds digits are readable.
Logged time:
1:31:19
